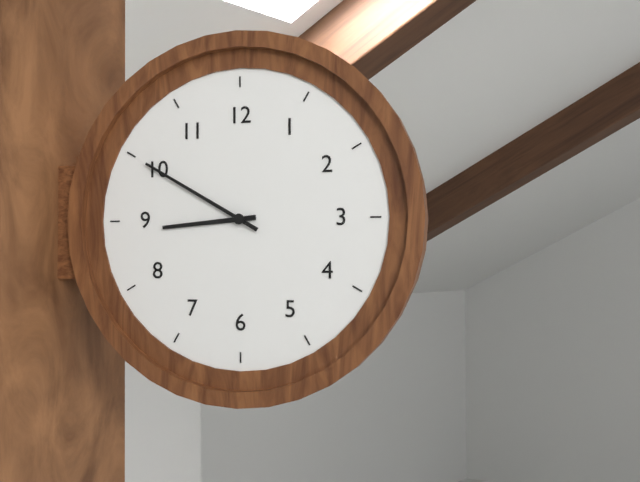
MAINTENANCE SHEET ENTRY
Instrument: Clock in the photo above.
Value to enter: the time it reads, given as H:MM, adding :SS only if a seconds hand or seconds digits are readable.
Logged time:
8:50
